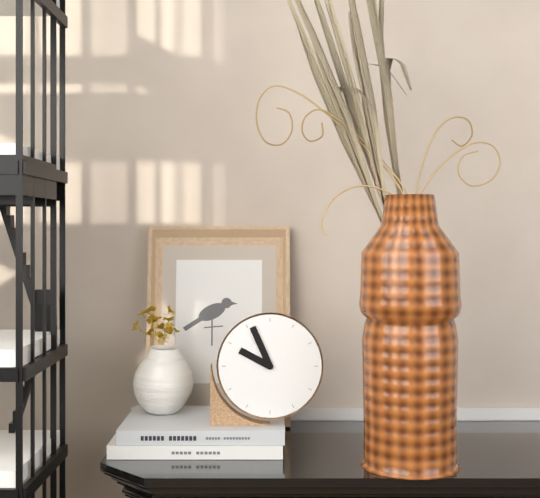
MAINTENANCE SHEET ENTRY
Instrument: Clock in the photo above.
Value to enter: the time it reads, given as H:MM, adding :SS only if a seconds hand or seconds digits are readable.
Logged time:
9:56
